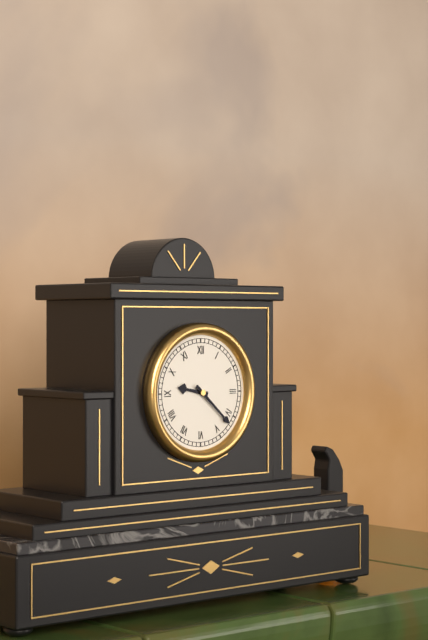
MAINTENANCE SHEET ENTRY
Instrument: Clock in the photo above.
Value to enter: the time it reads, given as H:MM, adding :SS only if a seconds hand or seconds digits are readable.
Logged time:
9:22
